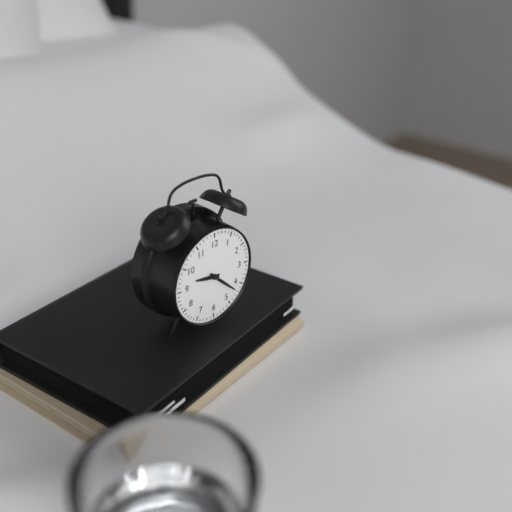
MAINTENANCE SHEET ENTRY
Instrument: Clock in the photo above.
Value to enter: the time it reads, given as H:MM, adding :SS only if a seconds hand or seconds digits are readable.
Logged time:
9:22
